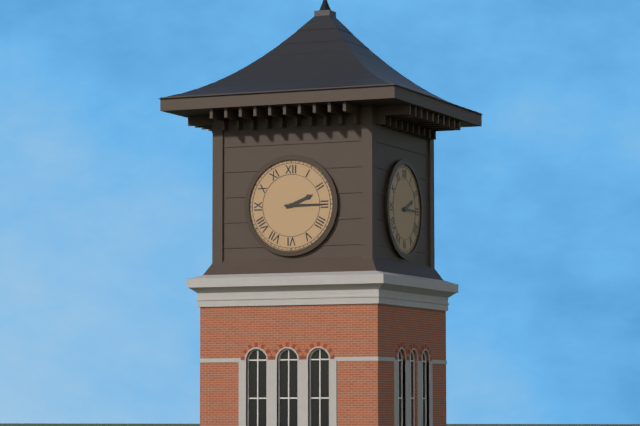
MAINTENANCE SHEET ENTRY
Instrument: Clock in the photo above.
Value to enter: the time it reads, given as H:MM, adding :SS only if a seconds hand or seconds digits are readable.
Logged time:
2:15
